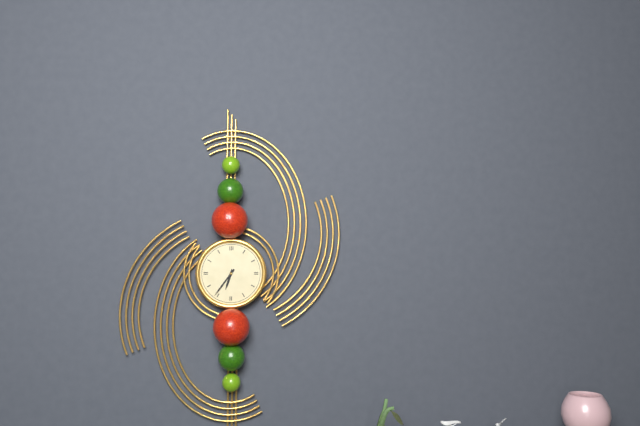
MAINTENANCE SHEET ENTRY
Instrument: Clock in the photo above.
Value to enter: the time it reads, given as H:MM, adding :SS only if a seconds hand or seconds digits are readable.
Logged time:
6:36
